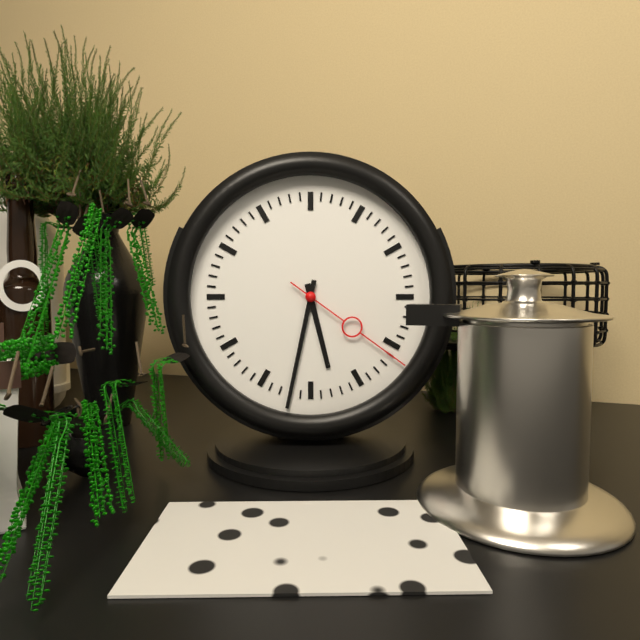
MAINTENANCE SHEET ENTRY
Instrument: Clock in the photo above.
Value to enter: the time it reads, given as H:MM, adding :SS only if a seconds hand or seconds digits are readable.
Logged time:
5:32:21
